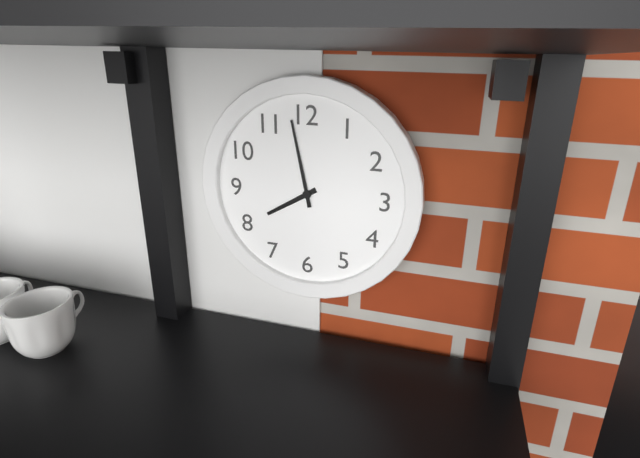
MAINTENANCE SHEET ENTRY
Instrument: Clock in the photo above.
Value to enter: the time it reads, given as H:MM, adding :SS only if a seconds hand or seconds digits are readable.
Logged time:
7:58
